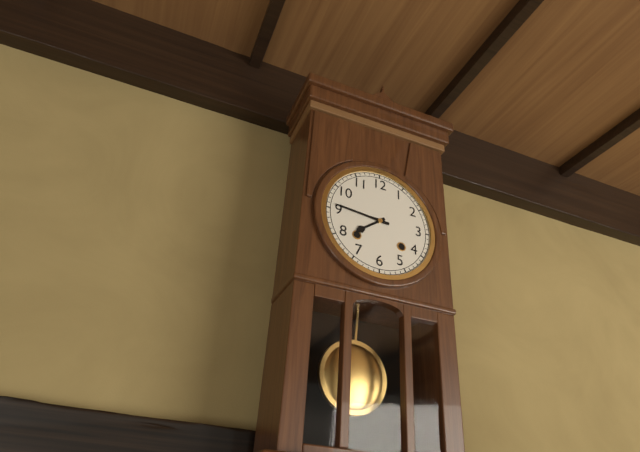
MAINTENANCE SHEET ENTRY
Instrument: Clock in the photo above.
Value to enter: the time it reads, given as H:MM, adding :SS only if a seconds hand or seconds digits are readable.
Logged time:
7:46
